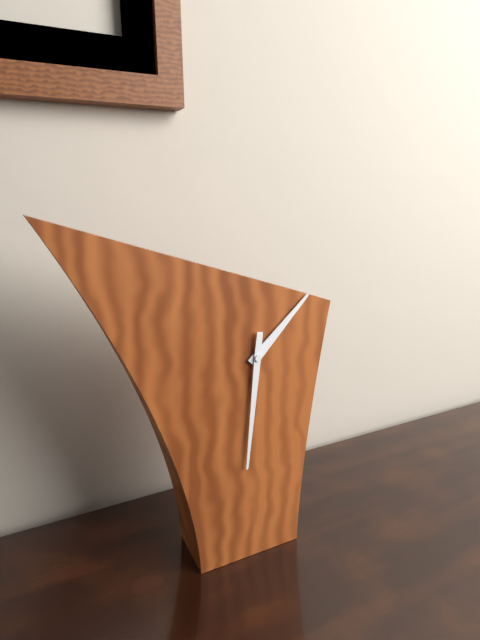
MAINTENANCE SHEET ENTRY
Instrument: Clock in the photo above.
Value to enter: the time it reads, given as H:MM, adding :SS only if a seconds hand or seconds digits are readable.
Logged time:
1:31
